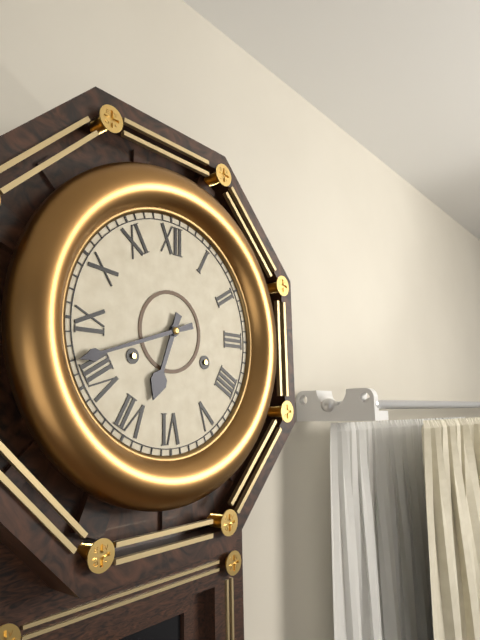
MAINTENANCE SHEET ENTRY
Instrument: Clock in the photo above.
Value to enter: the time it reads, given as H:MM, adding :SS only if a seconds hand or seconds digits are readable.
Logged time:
6:42
